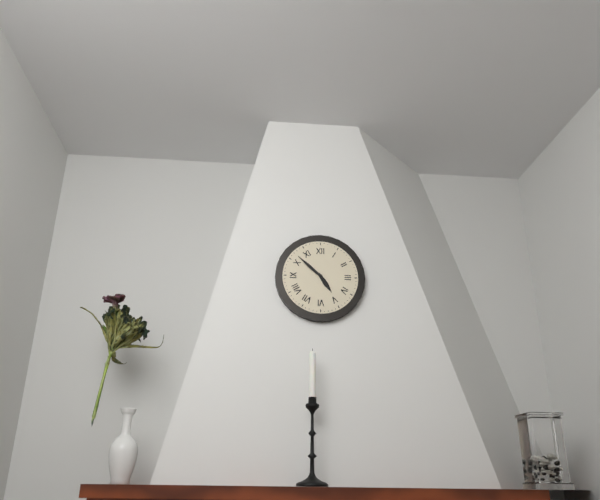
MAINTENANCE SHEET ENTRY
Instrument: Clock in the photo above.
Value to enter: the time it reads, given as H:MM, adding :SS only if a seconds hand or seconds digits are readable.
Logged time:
4:52
